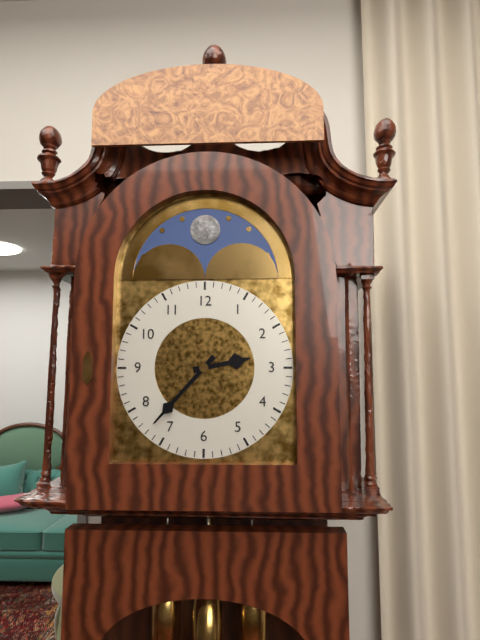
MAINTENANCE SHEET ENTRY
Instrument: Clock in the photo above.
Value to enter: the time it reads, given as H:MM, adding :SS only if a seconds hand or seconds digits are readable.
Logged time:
2:37
